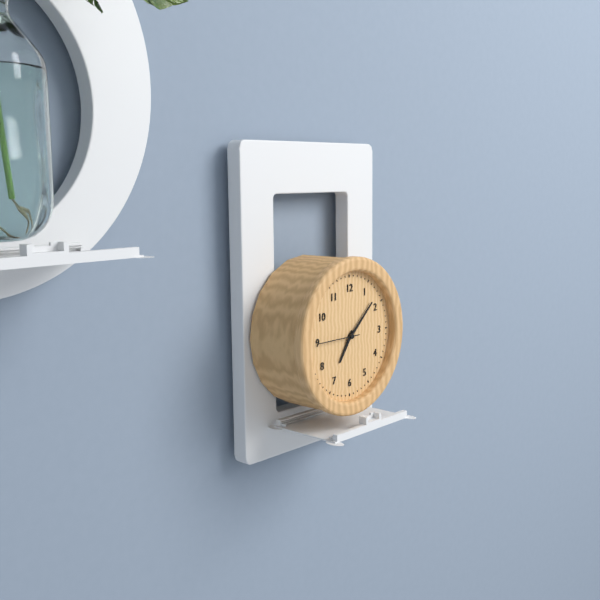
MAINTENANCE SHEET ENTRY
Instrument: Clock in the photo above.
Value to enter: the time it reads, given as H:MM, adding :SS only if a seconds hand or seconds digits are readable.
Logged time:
7:08
